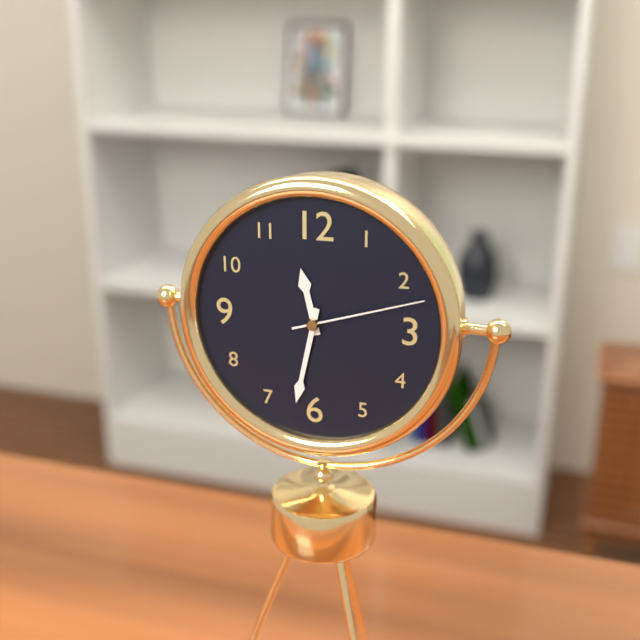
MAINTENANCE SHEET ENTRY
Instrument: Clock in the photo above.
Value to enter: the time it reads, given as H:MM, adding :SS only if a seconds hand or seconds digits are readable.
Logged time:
11:32:12
